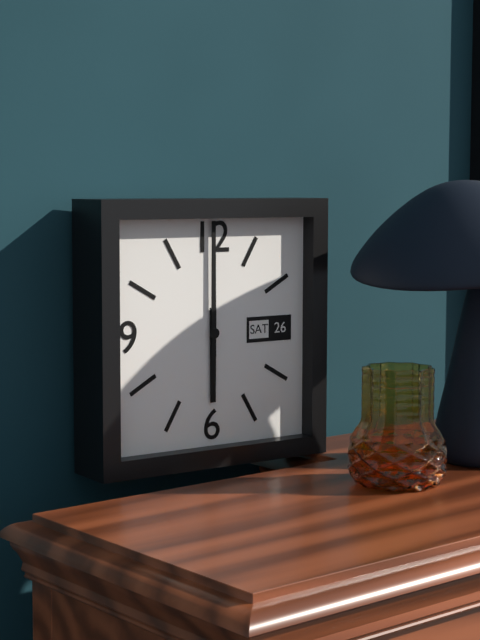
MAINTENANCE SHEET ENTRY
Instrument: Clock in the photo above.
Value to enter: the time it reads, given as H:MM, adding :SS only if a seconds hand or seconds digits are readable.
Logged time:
6:00
